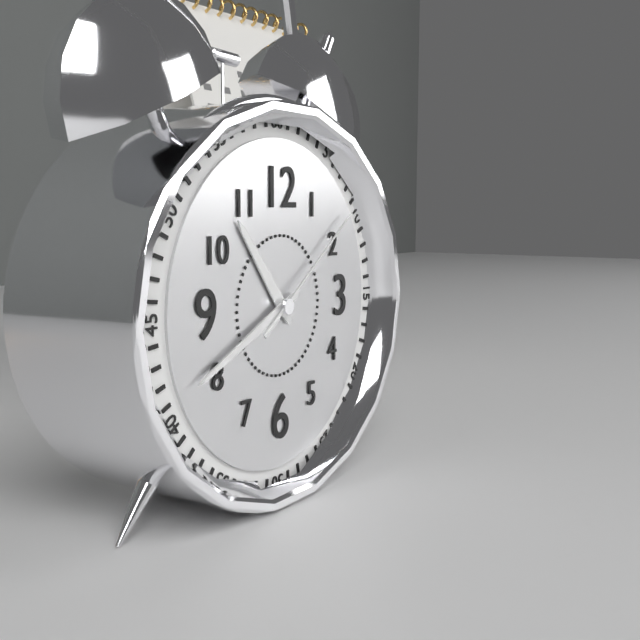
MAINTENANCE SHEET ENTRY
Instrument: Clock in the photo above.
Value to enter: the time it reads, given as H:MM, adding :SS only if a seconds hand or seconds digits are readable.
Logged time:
10:41:09
